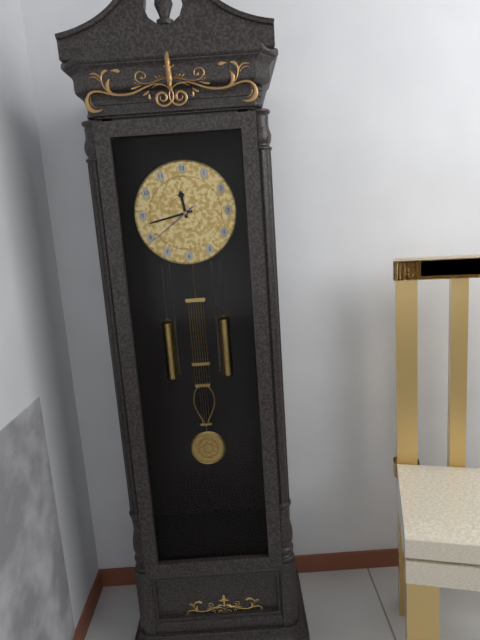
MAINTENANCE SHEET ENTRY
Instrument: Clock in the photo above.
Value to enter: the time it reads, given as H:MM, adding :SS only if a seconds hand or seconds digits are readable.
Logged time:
11:43:39
